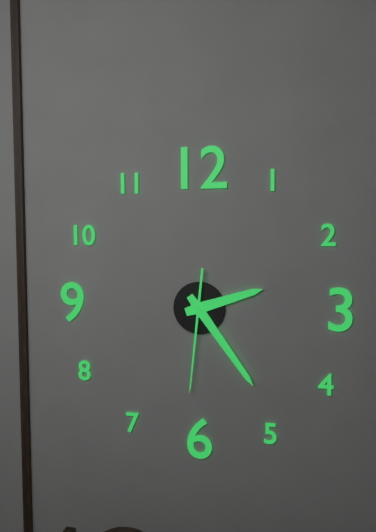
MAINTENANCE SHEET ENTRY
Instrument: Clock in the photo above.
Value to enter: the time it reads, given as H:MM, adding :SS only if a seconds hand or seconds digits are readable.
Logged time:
2:24:31
